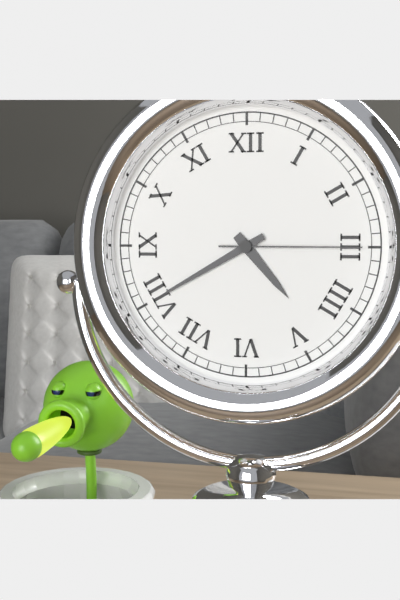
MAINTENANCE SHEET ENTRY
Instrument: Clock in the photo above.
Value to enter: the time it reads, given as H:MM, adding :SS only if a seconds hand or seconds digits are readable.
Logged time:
4:40:15
